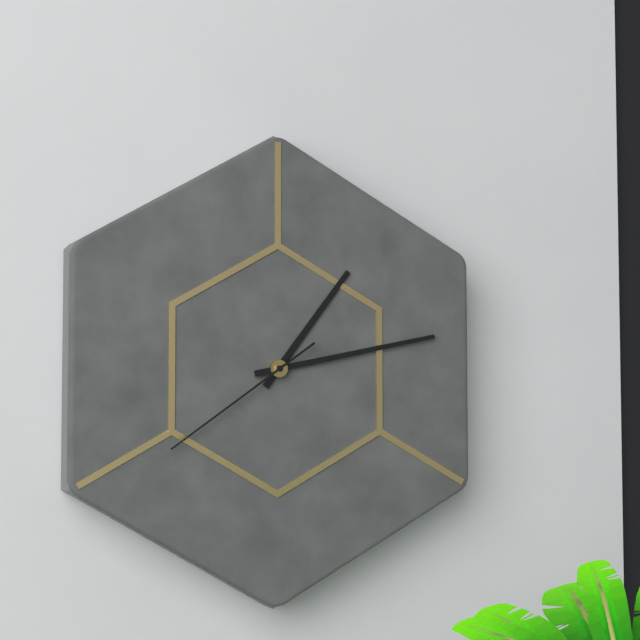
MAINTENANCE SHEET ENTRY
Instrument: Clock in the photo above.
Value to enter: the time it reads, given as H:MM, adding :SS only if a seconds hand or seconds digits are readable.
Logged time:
1:13:39
